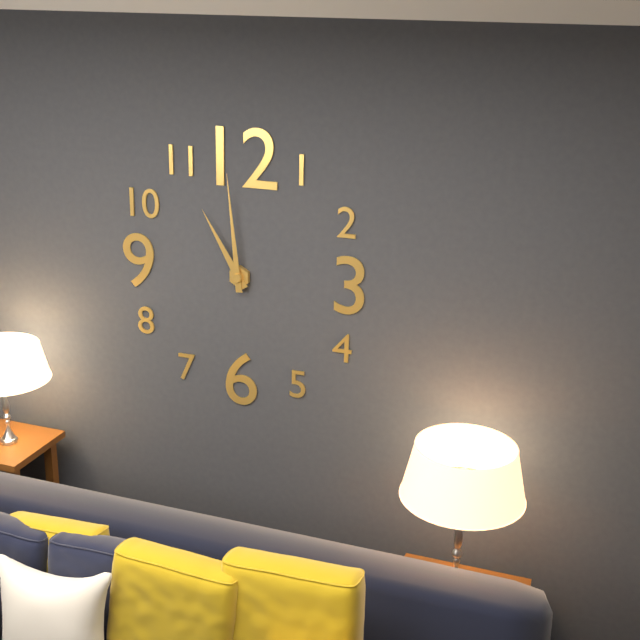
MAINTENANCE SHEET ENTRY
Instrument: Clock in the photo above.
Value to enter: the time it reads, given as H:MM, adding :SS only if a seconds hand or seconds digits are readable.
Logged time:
10:59
